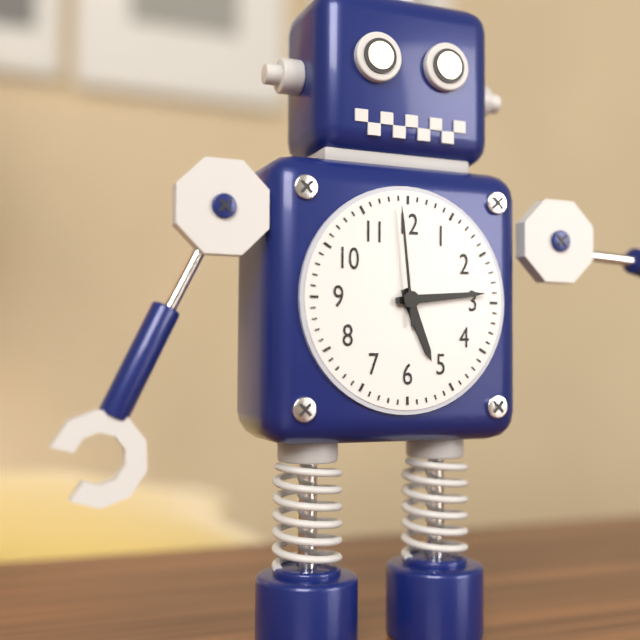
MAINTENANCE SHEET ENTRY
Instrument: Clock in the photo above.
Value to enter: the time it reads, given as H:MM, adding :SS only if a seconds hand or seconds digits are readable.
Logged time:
5:14:59
